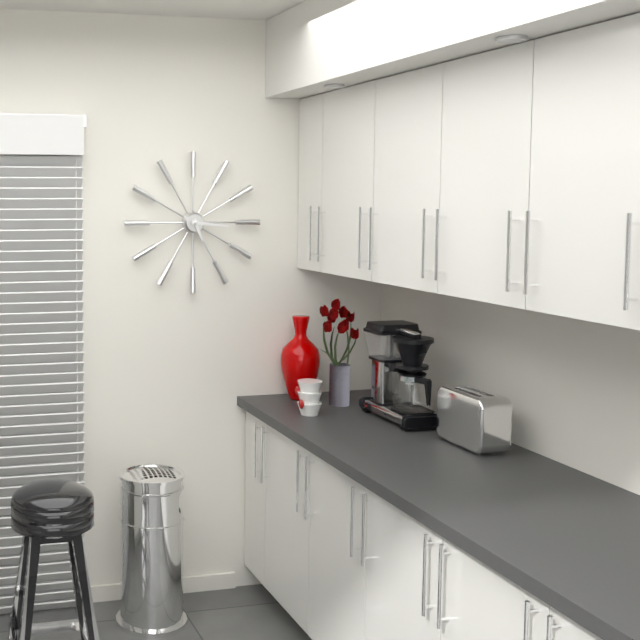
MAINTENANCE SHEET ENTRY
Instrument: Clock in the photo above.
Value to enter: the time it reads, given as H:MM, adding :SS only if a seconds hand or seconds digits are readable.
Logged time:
5:16
